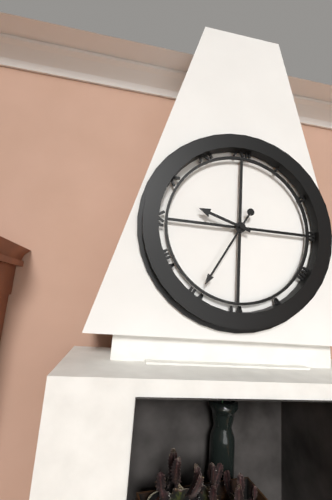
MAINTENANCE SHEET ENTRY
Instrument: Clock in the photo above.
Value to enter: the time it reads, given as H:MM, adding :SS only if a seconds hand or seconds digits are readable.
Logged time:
9:35
